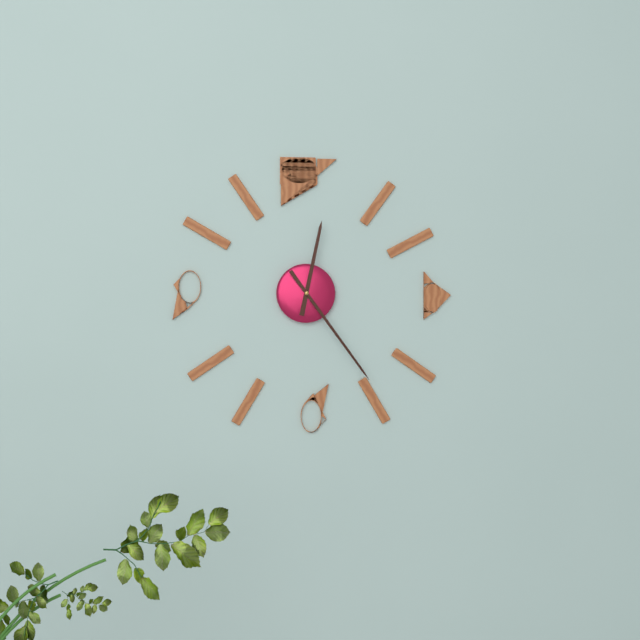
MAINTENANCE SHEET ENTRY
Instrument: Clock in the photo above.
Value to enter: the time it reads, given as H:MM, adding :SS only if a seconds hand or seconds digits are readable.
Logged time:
12:24
